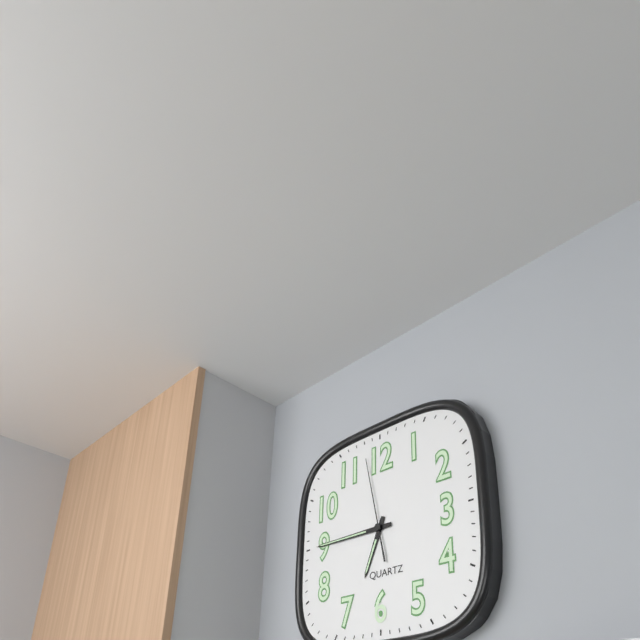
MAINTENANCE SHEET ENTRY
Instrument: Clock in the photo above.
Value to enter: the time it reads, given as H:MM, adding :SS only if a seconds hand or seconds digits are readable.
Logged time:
6:45:58
